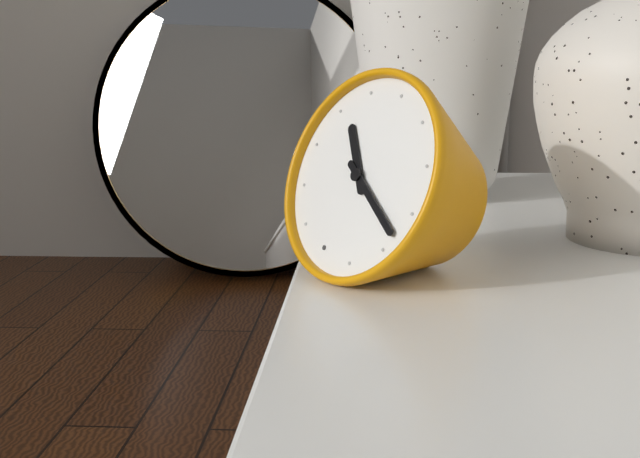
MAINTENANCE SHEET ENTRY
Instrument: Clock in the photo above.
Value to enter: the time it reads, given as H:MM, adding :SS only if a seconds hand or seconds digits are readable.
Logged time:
10:18
